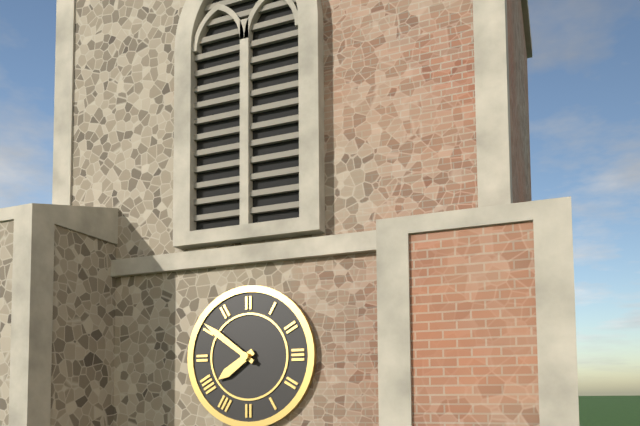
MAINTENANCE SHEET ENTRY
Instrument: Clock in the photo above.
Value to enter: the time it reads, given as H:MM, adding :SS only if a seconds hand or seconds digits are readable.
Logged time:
7:51
